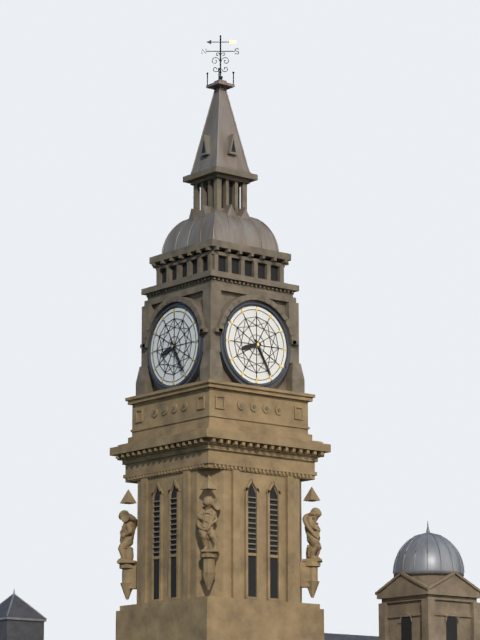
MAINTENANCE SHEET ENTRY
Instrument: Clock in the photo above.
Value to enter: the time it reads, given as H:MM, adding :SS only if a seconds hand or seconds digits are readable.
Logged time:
8:25
